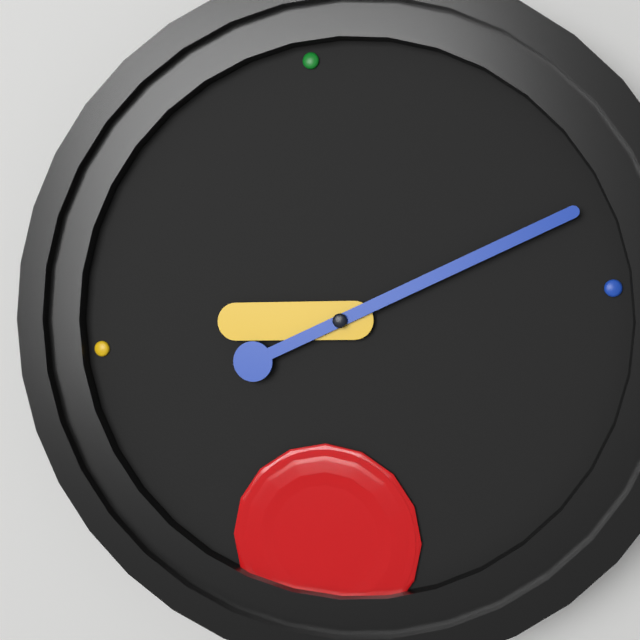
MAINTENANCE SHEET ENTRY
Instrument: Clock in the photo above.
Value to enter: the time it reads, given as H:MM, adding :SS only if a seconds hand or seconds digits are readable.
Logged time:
9:12
